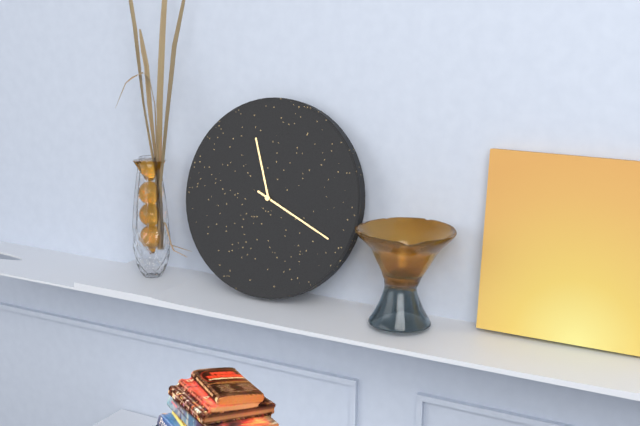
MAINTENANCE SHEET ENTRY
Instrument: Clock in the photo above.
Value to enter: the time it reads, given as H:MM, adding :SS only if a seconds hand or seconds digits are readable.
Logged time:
11:19
